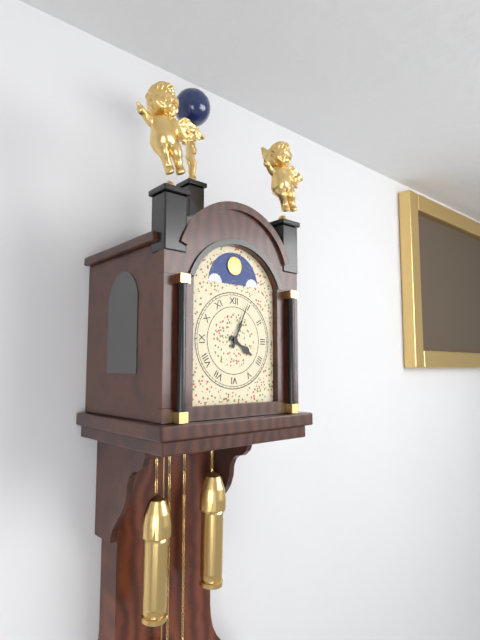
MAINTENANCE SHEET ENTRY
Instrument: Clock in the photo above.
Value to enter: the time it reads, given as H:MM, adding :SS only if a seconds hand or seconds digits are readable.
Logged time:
4:04
